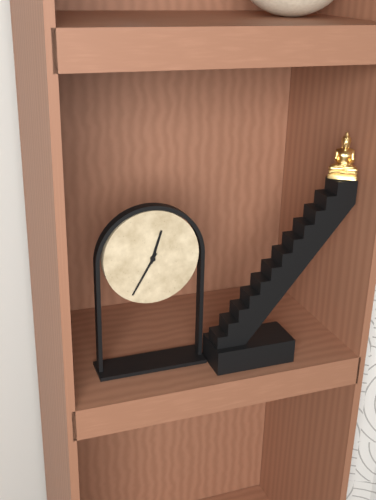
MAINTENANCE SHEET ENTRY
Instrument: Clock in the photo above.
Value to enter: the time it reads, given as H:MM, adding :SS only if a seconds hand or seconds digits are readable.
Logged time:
12:35
